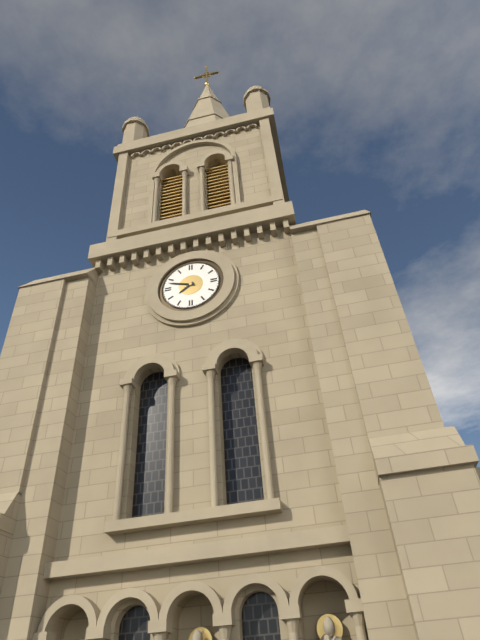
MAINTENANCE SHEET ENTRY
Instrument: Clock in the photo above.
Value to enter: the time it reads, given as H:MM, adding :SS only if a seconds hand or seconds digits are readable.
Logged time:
7:48
